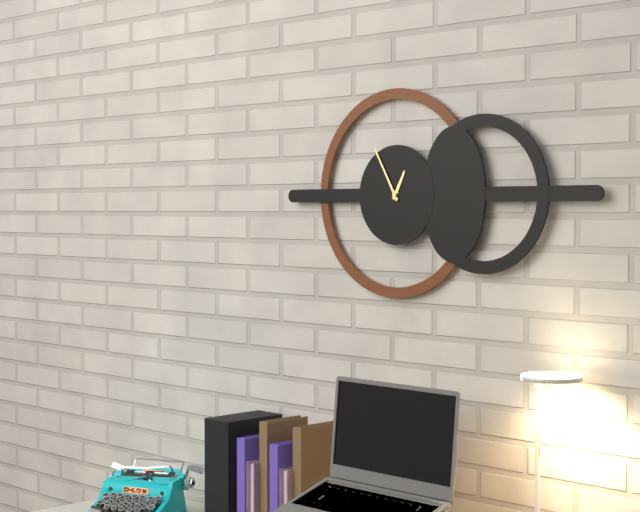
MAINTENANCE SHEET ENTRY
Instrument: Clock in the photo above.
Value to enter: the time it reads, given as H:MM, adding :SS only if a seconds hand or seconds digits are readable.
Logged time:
12:55
